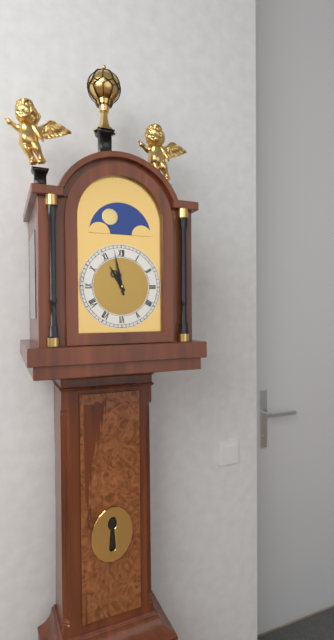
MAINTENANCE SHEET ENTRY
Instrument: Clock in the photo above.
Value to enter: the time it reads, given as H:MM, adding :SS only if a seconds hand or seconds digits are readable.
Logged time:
10:58
